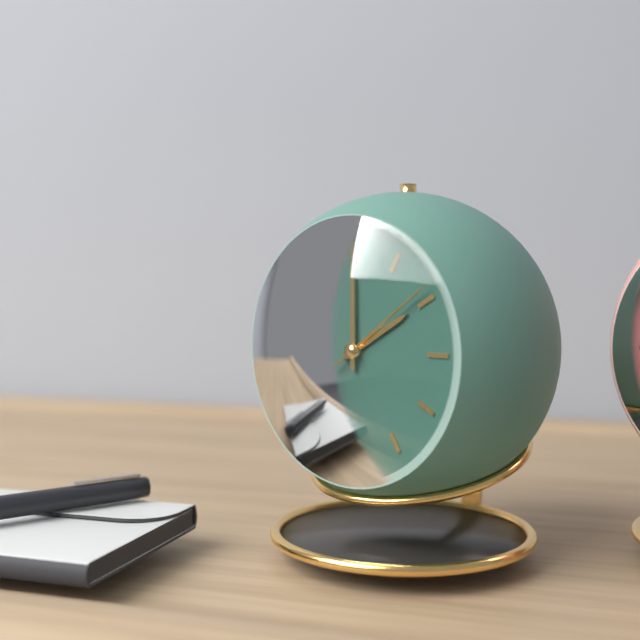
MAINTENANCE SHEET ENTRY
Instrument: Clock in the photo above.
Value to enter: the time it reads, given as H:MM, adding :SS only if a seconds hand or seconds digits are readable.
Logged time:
2:00:09
